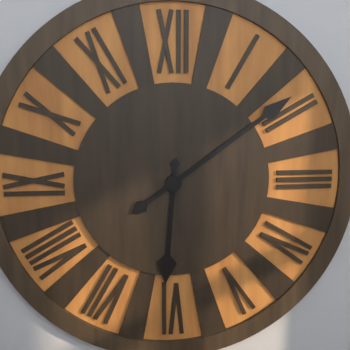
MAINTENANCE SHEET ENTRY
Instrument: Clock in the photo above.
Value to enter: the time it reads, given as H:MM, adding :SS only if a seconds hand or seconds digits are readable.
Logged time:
6:09
